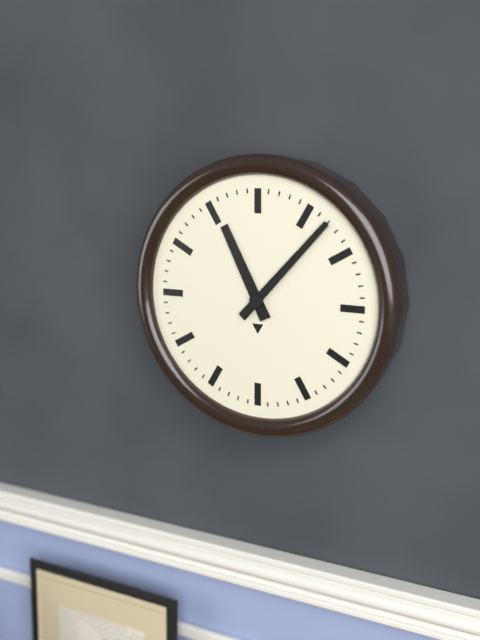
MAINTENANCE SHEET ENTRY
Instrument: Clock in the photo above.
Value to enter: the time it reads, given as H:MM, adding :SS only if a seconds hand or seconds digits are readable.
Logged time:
11:07
